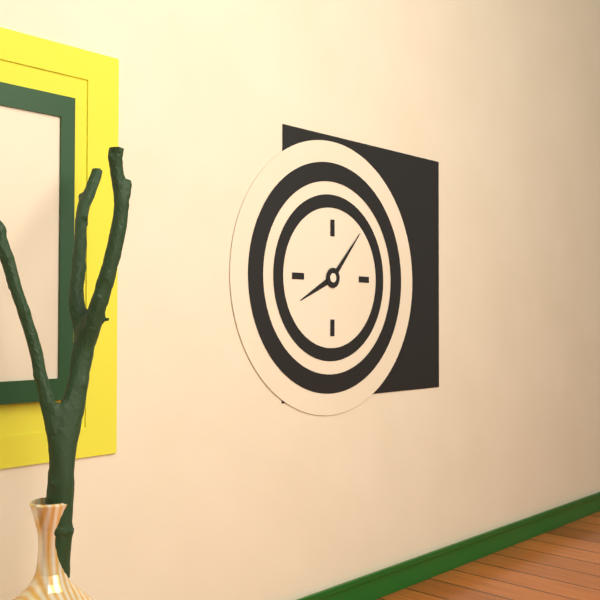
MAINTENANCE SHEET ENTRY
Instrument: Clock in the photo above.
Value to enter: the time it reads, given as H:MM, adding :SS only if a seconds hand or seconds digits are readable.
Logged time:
8:07
